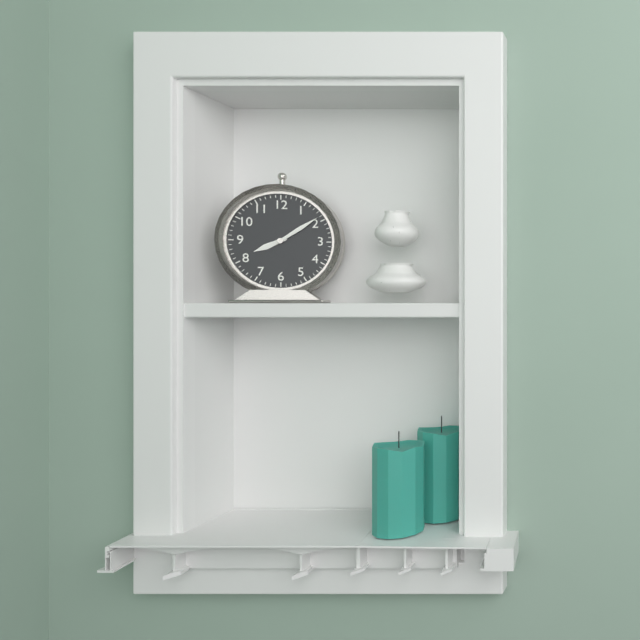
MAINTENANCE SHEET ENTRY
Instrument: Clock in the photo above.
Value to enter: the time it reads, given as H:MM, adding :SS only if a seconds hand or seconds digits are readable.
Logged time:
8:09
